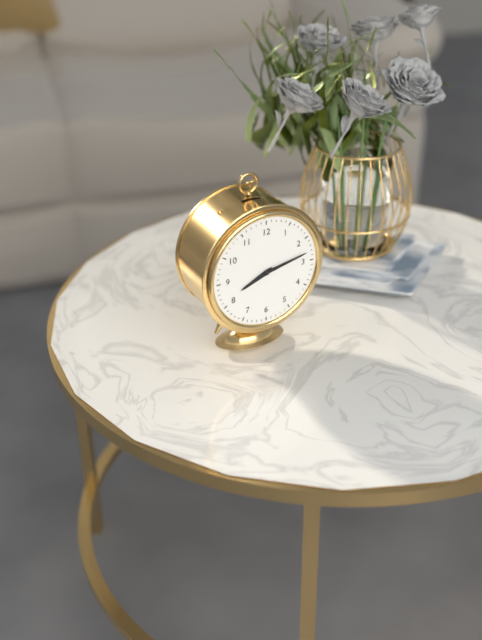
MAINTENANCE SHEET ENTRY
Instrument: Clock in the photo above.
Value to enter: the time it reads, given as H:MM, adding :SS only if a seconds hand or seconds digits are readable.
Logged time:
8:13
